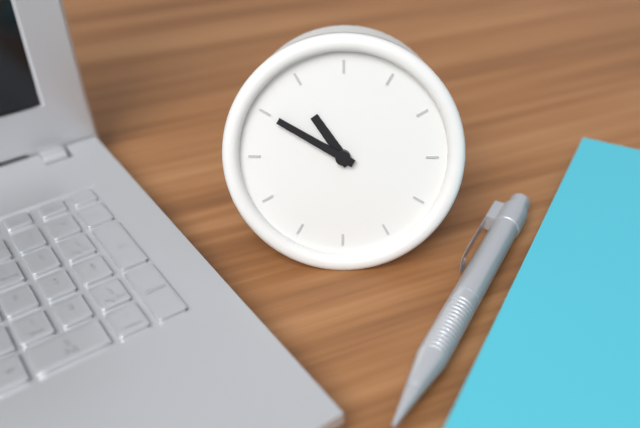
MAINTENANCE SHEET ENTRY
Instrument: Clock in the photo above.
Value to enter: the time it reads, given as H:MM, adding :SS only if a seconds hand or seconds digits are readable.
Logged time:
10:50
